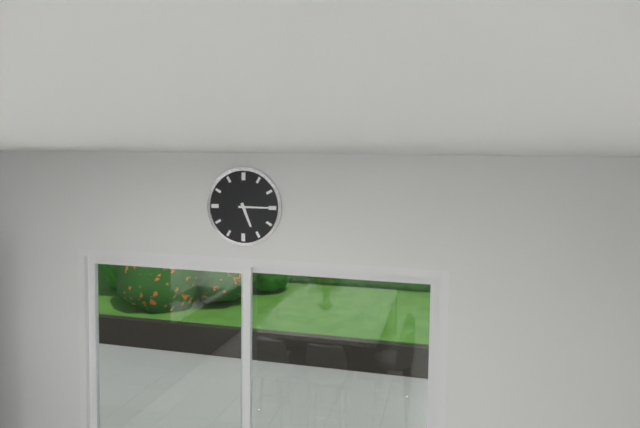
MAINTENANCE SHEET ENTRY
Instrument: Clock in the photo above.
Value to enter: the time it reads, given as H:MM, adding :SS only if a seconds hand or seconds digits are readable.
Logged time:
5:15
